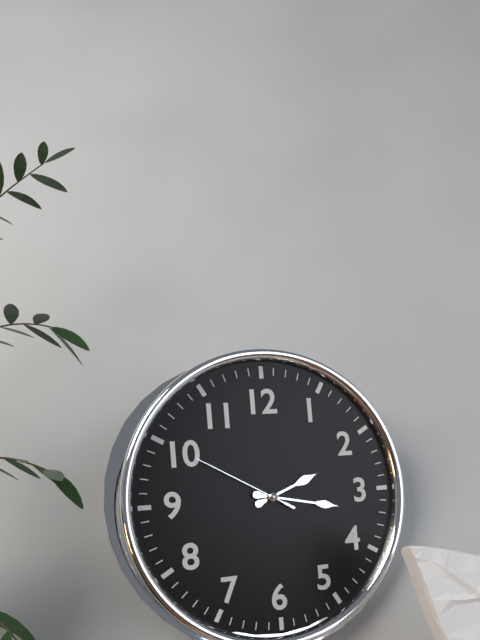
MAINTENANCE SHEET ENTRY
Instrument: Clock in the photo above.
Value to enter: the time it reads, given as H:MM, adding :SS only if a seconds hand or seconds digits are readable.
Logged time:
2:17:50
